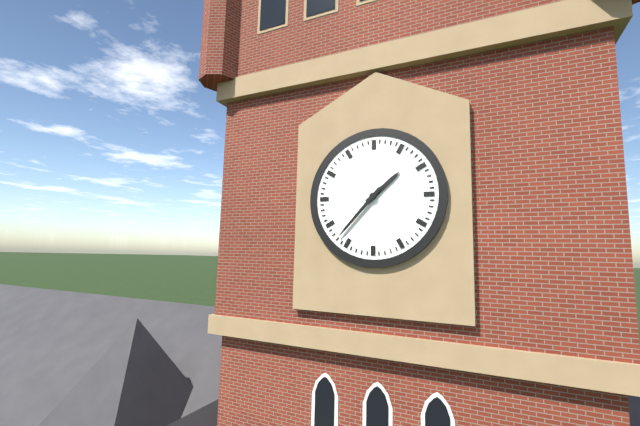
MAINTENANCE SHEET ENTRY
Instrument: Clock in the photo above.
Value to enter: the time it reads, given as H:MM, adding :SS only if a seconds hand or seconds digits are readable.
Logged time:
1:37
